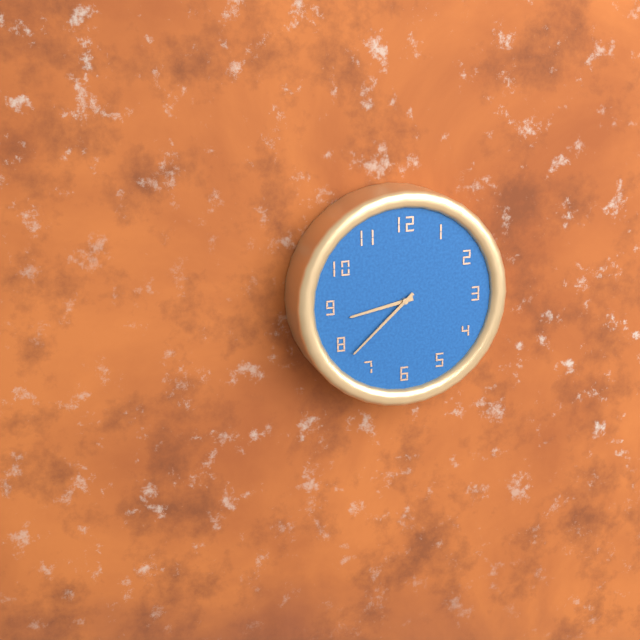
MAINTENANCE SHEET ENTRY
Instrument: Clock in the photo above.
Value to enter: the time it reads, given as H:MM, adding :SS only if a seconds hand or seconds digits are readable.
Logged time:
8:38
